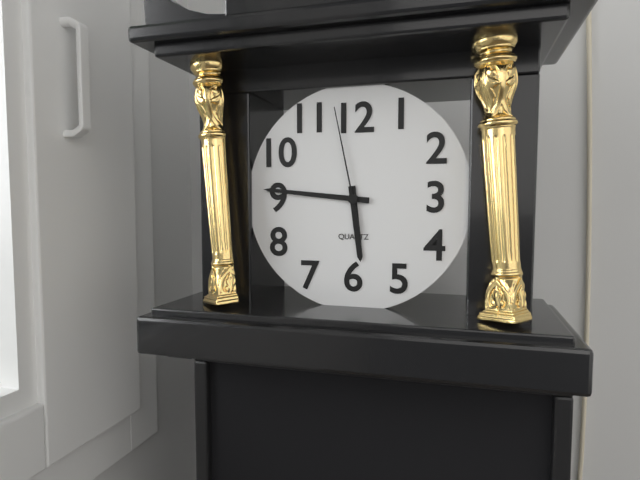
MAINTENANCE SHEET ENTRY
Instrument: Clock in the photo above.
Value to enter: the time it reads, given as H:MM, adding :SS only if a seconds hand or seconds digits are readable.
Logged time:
5:46:58
